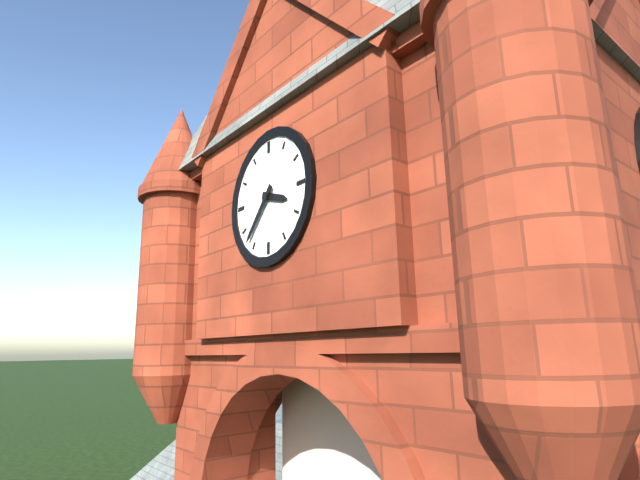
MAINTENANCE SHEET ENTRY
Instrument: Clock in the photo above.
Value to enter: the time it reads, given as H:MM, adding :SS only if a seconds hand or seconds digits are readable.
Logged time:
3:37
